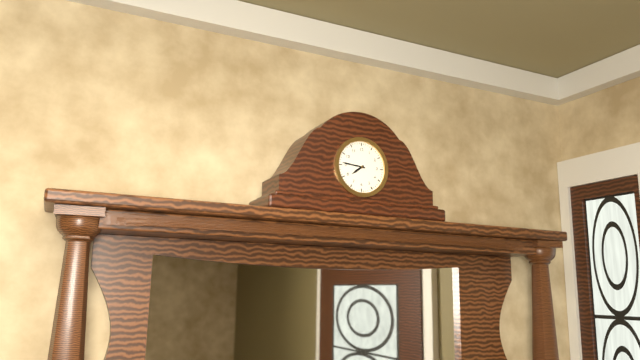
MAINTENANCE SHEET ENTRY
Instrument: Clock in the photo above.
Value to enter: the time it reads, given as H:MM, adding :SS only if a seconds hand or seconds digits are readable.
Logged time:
7:46
